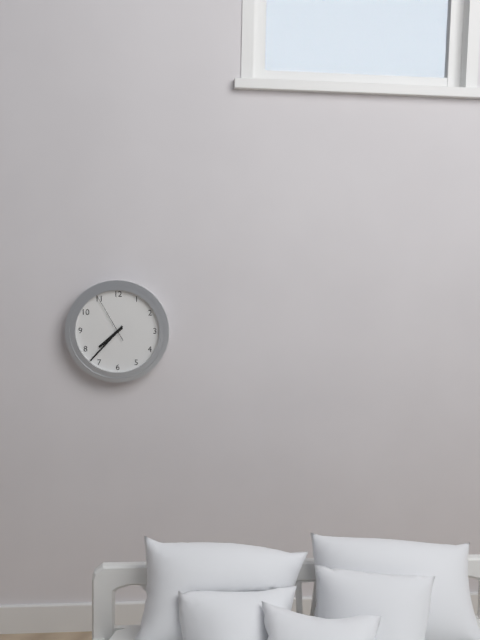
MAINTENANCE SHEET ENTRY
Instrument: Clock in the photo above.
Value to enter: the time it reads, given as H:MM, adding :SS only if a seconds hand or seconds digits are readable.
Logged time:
7:37:55
